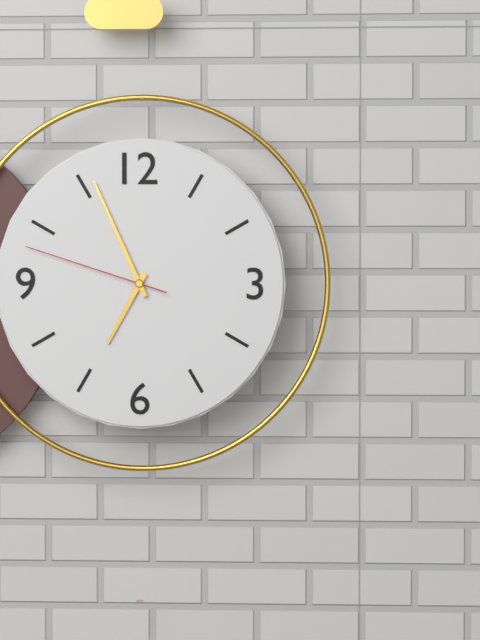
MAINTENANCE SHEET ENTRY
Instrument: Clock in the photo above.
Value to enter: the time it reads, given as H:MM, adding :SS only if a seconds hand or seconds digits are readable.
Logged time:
6:56:48
